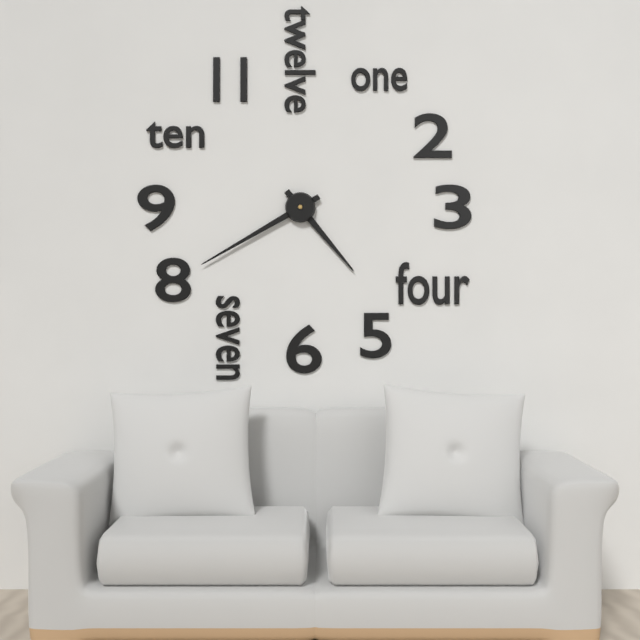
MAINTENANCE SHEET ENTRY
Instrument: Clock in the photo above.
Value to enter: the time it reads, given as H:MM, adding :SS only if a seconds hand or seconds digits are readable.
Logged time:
4:40
